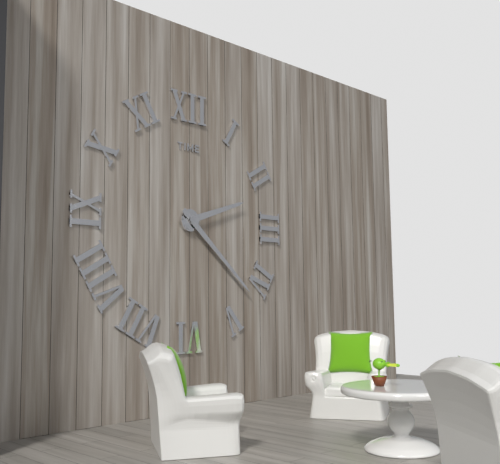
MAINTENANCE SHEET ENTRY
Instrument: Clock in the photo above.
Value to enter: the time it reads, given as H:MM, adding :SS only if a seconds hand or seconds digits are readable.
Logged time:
2:22
